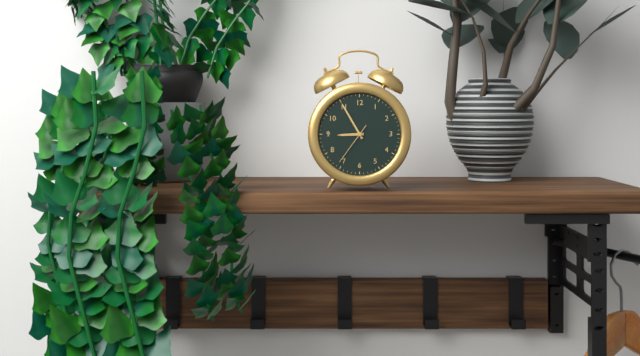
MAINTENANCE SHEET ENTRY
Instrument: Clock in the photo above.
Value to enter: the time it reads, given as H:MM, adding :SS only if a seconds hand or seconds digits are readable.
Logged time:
8:55
